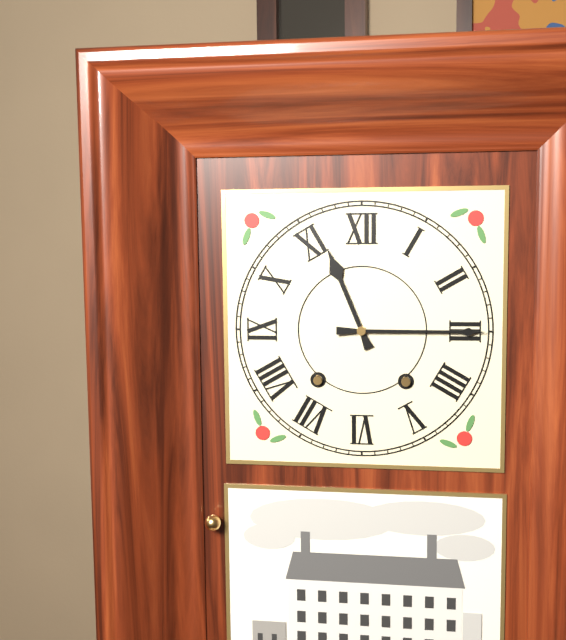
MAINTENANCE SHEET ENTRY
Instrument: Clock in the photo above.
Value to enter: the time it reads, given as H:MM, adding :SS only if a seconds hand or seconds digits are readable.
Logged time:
11:15
